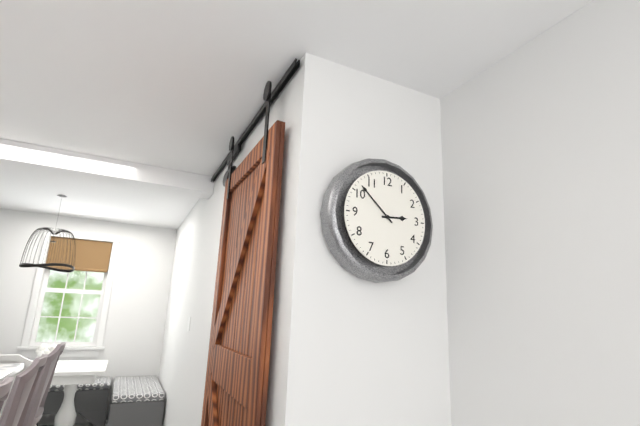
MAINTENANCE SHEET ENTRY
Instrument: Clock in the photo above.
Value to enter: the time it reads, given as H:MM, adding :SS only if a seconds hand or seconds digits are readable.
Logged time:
2:52
